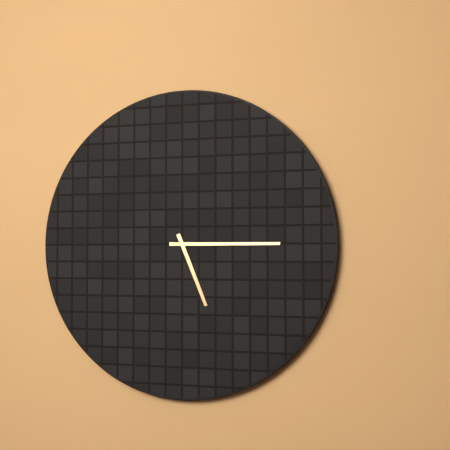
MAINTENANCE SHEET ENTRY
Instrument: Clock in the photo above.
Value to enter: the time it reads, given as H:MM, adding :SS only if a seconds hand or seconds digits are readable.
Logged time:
5:15
